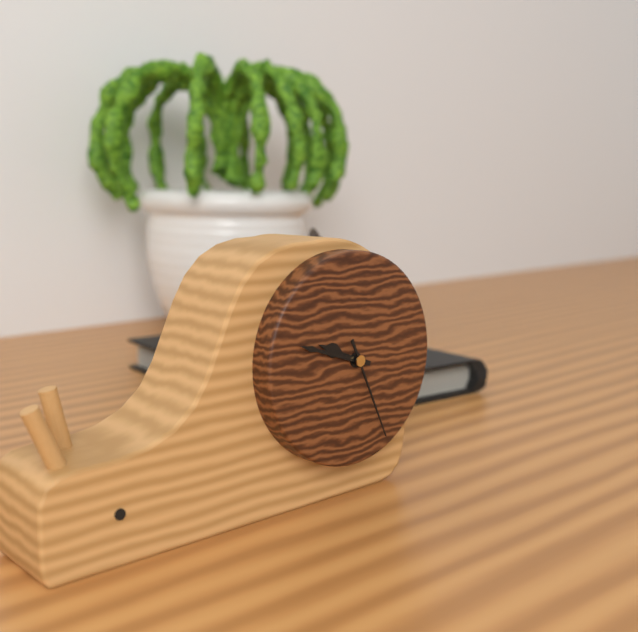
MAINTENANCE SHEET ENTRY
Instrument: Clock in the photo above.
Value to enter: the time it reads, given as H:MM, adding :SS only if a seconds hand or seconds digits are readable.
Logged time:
9:48:26
